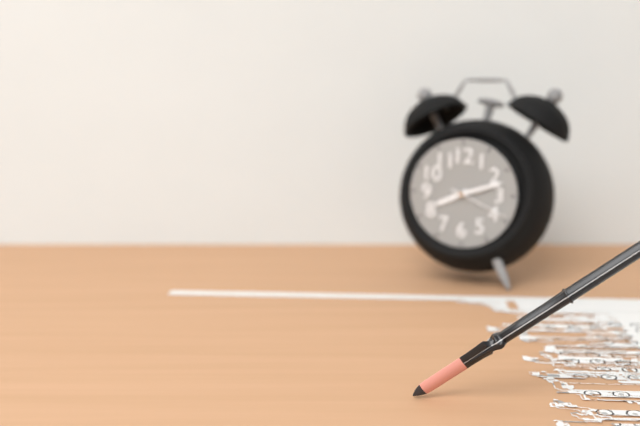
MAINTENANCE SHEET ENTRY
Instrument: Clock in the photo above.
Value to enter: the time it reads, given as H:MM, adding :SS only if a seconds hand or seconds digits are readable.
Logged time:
8:12:19
